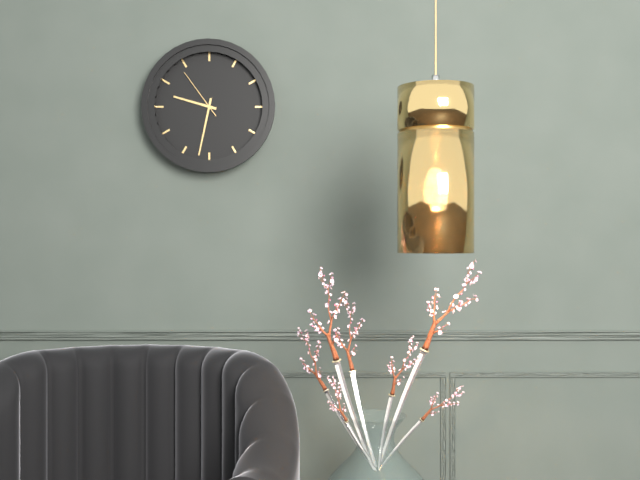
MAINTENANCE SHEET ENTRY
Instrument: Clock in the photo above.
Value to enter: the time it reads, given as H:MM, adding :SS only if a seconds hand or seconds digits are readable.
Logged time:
9:32:54
